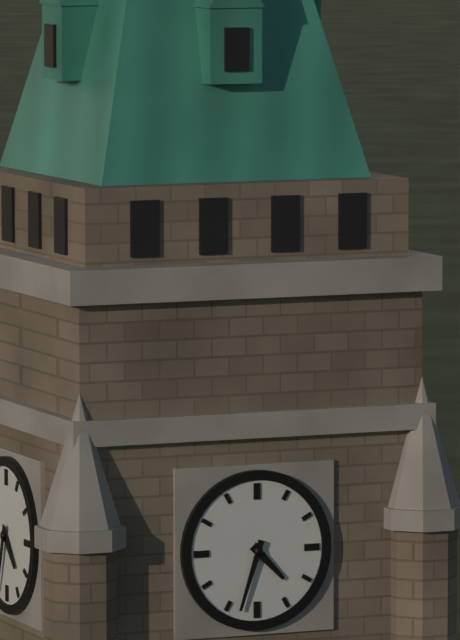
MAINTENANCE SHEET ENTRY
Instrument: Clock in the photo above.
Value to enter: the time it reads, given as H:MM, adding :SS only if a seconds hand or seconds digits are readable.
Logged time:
4:33
